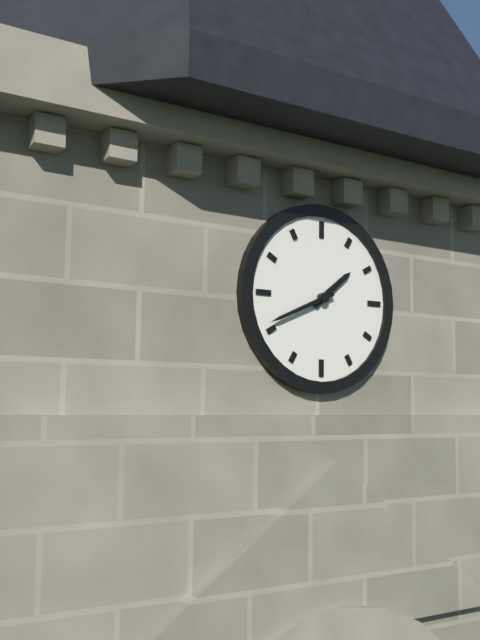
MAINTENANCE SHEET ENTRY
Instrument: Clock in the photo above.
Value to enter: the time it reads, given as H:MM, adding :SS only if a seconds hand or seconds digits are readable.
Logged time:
1:41
